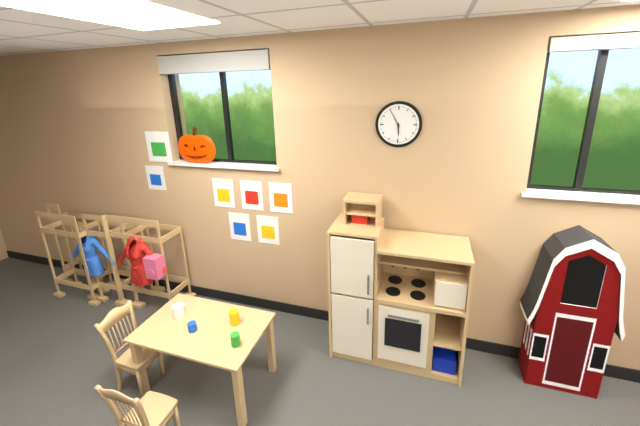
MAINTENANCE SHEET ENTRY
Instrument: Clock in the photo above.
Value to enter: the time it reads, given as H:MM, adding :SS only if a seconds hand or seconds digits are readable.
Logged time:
5:55
